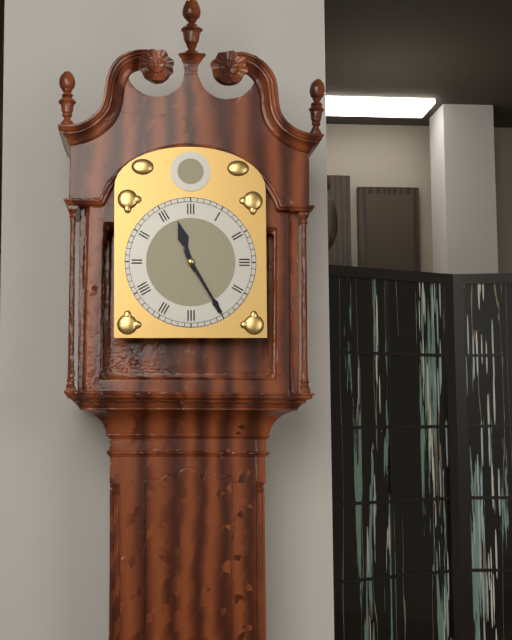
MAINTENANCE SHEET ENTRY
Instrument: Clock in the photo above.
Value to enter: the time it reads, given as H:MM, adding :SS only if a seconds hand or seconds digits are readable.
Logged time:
11:25
